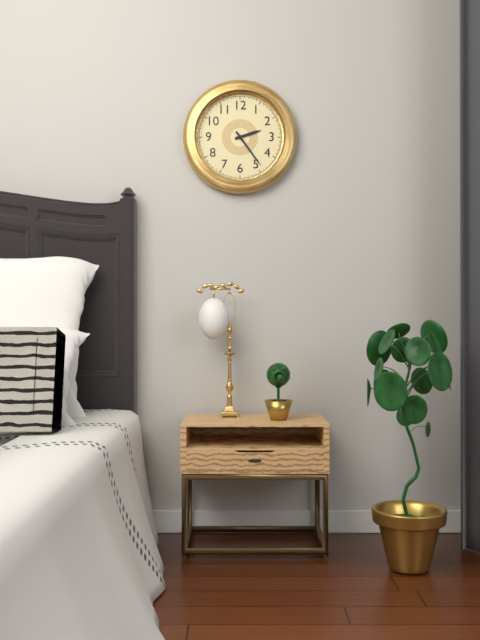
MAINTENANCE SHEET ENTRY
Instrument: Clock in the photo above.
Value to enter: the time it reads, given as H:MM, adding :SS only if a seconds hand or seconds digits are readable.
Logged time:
2:24
